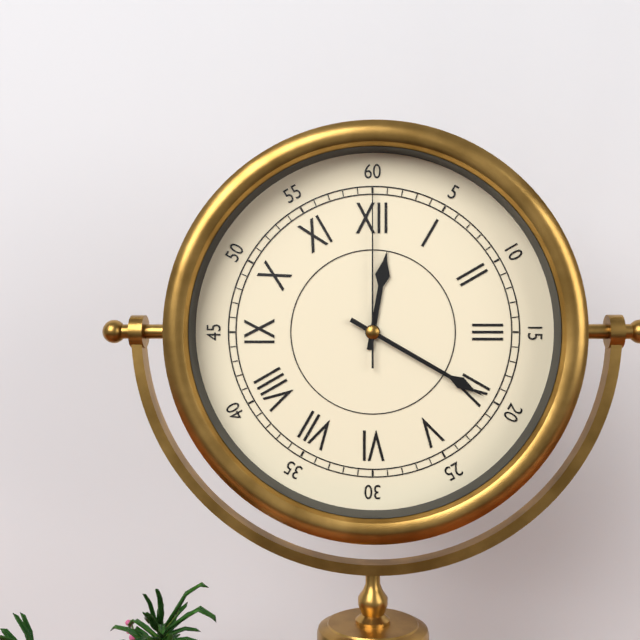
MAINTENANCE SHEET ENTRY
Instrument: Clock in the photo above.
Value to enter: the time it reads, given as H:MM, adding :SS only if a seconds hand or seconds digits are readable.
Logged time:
12:20:00
